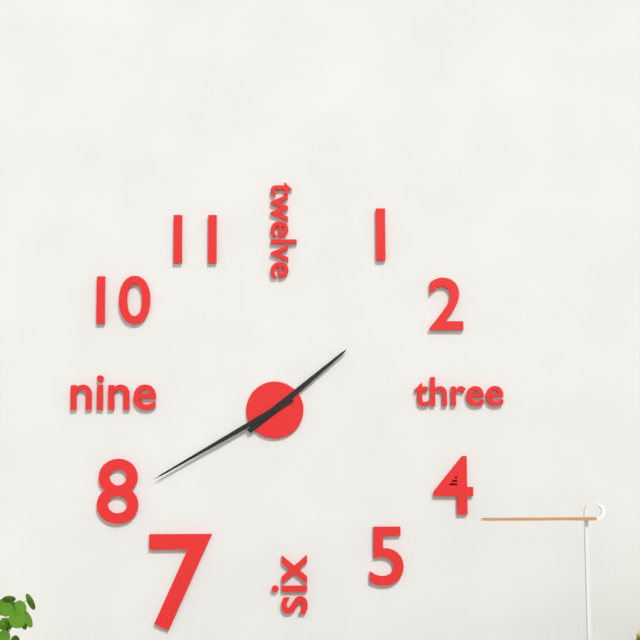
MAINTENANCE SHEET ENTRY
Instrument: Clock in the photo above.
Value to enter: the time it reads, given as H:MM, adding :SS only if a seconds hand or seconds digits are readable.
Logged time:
1:40
